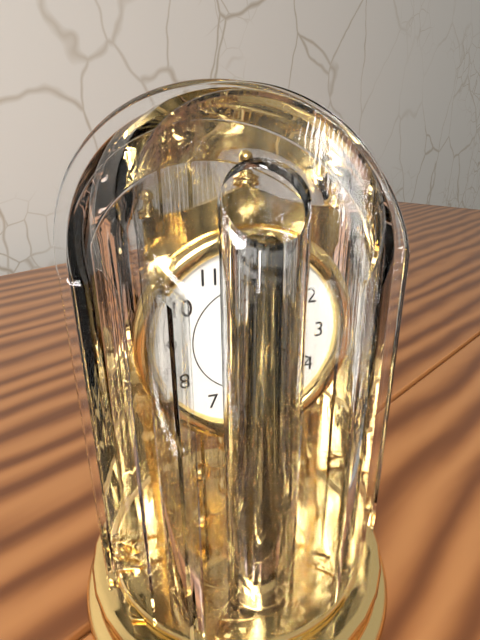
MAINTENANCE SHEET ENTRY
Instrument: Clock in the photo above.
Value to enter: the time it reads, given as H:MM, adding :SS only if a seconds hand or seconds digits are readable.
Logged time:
6:19
